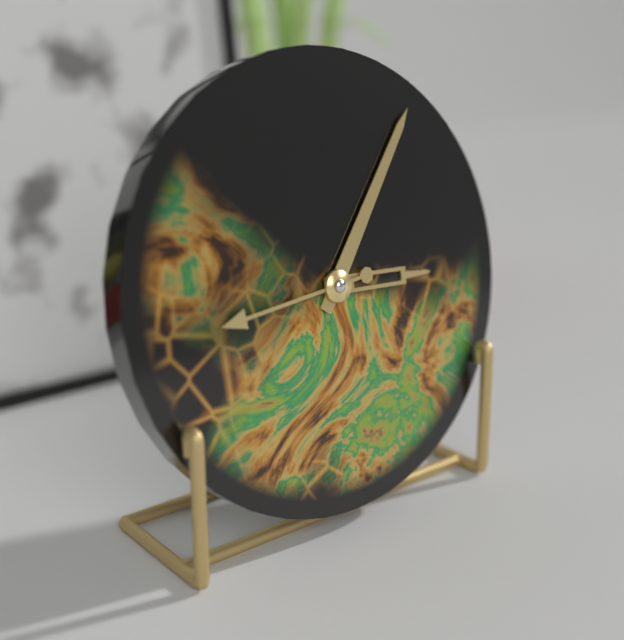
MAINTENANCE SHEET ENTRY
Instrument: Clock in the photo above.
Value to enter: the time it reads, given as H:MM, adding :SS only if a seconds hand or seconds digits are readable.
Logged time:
3:06:44
